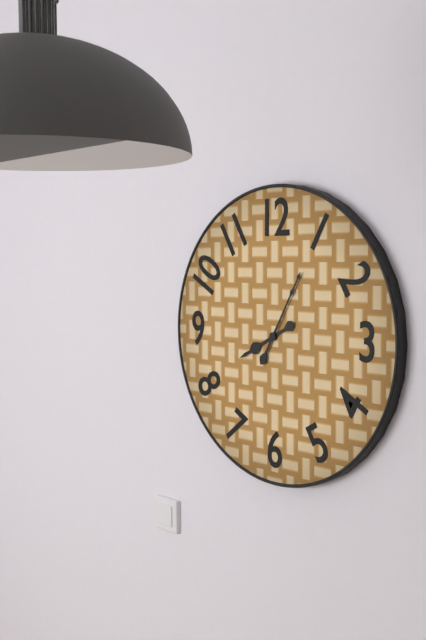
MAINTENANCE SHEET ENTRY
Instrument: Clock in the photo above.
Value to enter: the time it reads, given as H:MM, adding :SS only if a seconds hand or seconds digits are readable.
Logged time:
8:05
